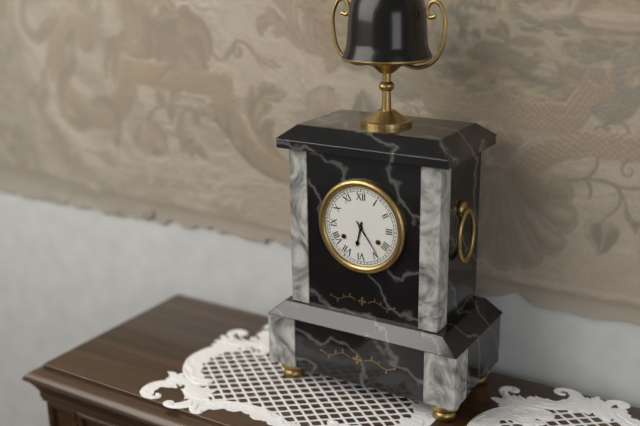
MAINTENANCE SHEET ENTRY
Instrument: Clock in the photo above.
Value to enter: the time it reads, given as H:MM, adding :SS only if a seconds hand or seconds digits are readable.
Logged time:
6:24
